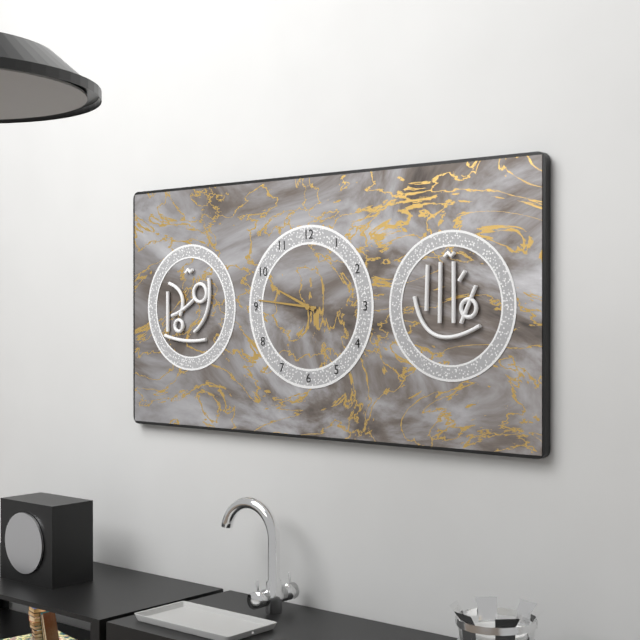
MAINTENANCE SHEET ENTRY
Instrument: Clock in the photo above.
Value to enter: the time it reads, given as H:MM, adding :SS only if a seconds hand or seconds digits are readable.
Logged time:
9:46
